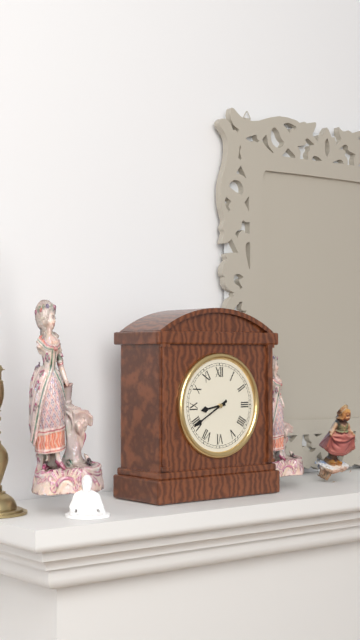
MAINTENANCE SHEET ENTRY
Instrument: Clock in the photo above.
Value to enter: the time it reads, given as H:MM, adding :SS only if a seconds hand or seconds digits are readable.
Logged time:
8:40
